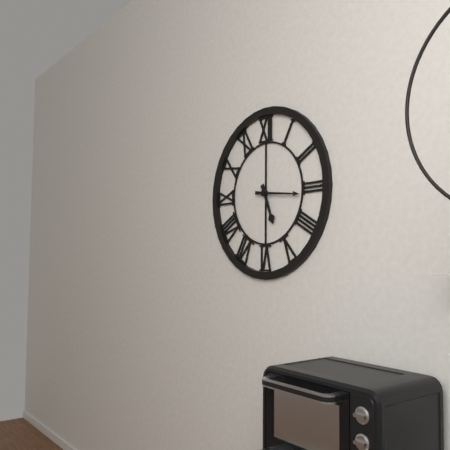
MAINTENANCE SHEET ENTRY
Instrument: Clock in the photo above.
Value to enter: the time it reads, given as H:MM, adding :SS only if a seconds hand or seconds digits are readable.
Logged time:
5:16
